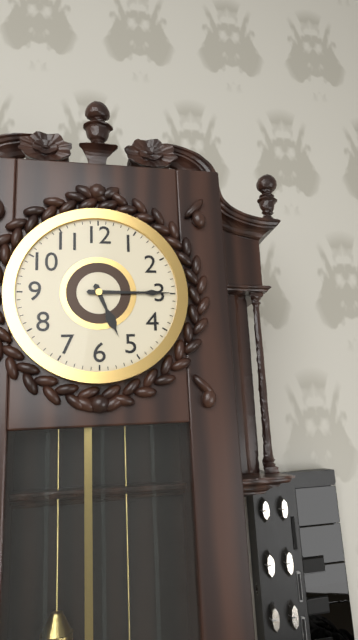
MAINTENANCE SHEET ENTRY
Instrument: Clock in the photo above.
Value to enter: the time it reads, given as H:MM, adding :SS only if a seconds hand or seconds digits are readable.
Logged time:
5:15
